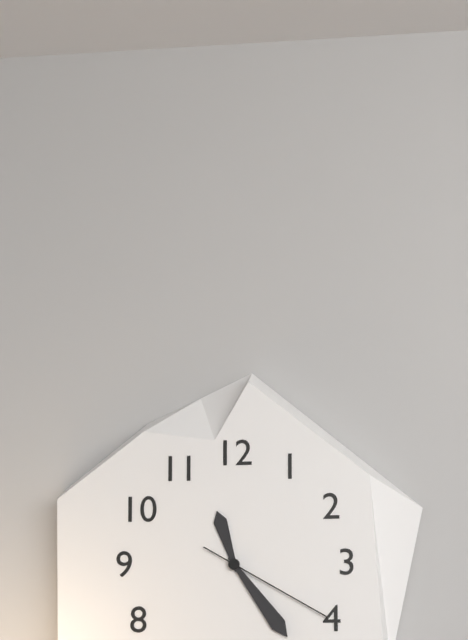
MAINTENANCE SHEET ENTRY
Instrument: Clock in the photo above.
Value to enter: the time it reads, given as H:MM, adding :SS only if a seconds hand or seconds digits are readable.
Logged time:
11:24:20
